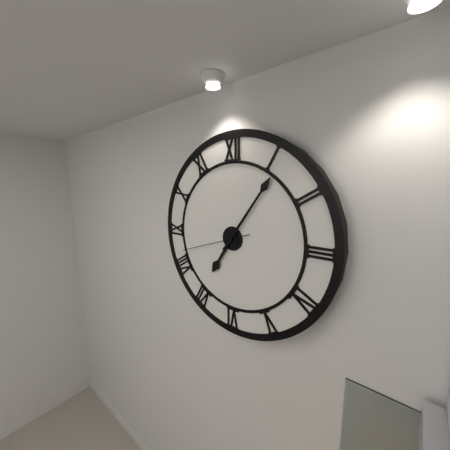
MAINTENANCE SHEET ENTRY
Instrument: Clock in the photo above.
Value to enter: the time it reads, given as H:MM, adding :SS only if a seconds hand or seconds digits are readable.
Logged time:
7:06:42
